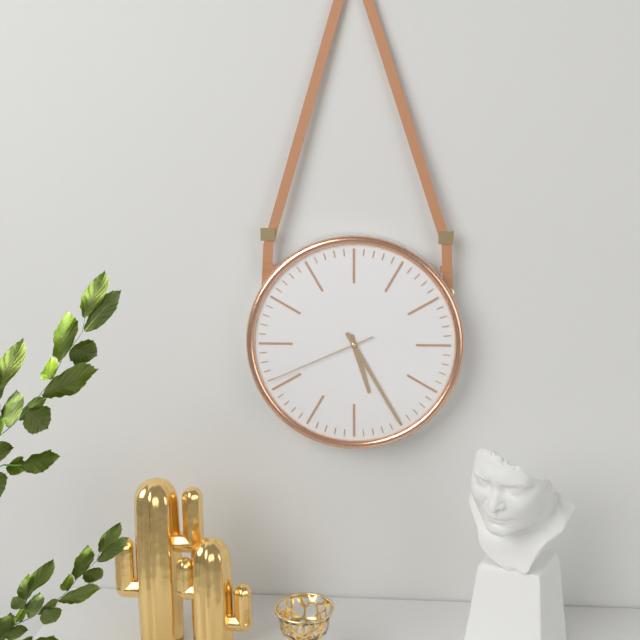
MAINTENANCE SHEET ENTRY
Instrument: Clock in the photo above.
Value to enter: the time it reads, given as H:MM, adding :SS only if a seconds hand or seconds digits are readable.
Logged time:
5:25:41
